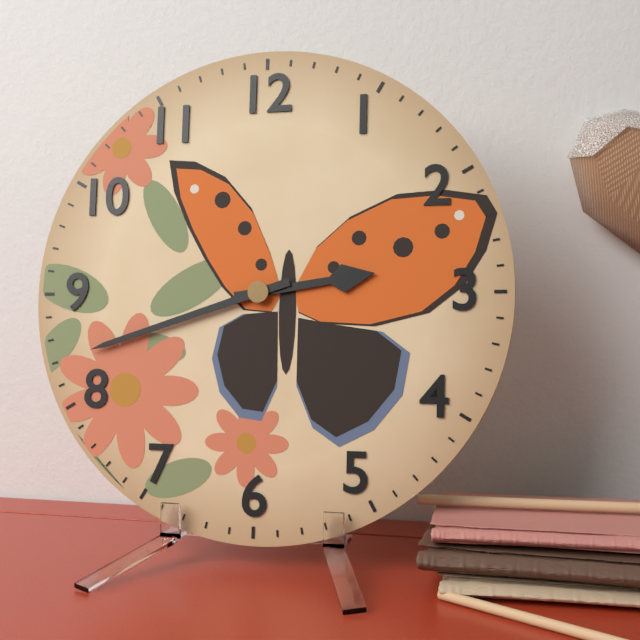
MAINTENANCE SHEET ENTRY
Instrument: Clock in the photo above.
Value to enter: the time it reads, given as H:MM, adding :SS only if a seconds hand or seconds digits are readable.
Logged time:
2:42
